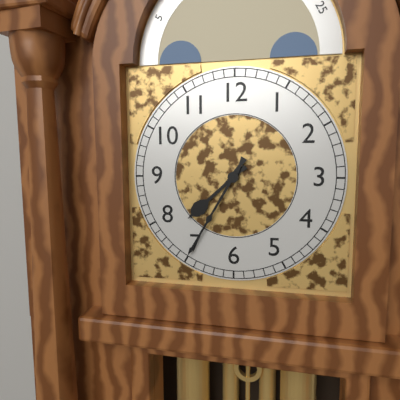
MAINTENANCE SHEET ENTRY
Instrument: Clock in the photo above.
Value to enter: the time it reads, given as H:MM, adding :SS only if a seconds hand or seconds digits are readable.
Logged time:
7:35
